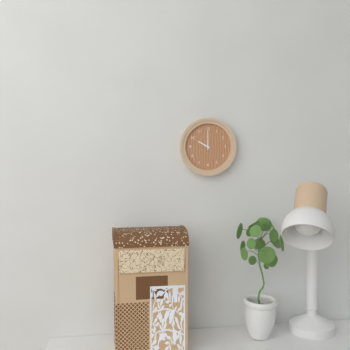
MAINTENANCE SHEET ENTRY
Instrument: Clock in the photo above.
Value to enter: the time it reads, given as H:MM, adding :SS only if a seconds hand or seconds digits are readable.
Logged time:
10:00
